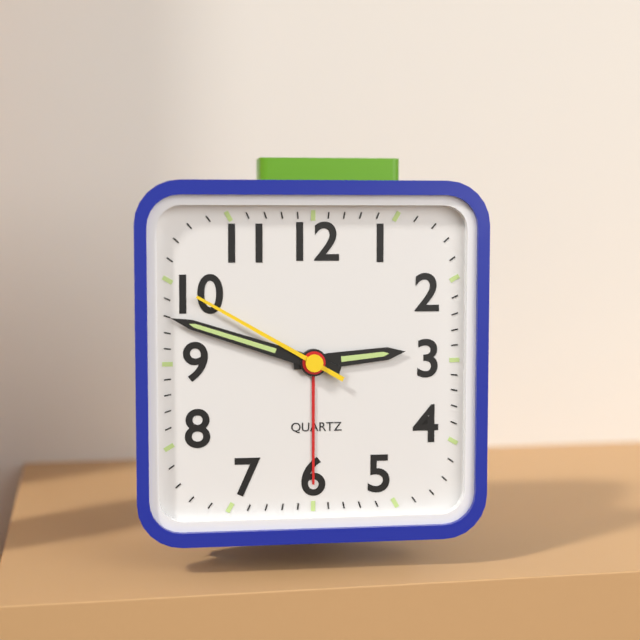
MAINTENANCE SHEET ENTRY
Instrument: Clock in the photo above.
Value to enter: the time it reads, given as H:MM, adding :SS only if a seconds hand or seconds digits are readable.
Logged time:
2:48:50
